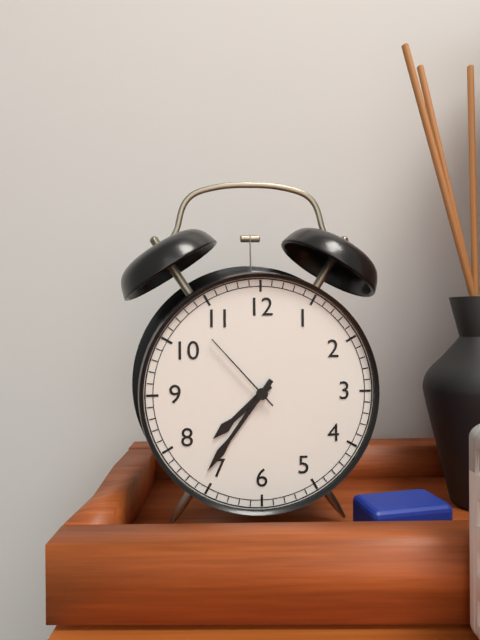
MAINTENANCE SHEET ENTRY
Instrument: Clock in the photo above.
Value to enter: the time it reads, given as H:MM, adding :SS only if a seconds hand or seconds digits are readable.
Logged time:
7:36:53
